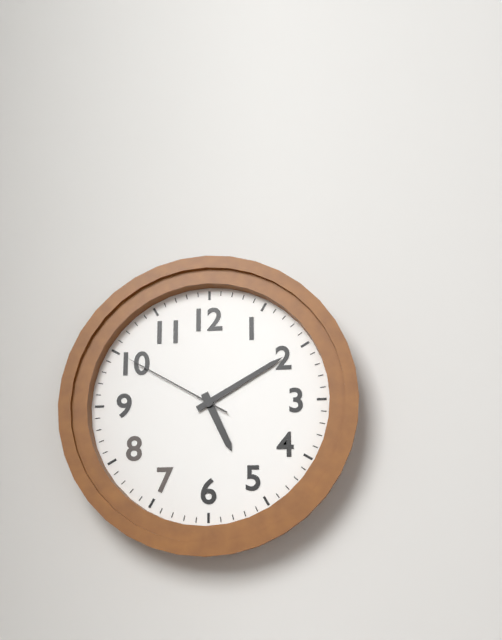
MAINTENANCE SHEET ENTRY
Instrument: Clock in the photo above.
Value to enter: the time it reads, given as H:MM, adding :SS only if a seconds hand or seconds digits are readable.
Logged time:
5:10:50
